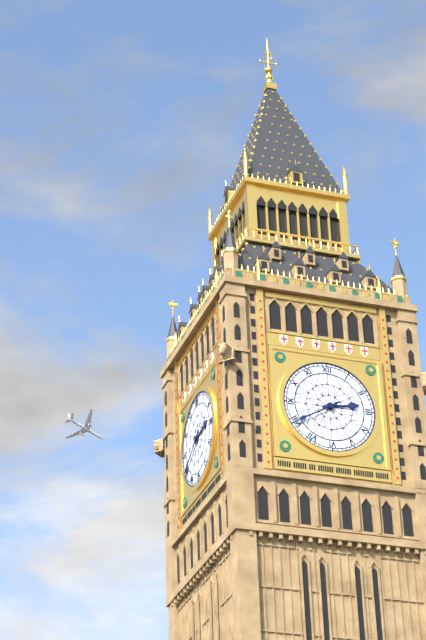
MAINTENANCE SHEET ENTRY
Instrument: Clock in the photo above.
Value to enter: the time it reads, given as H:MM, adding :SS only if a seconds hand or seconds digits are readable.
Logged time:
2:40
